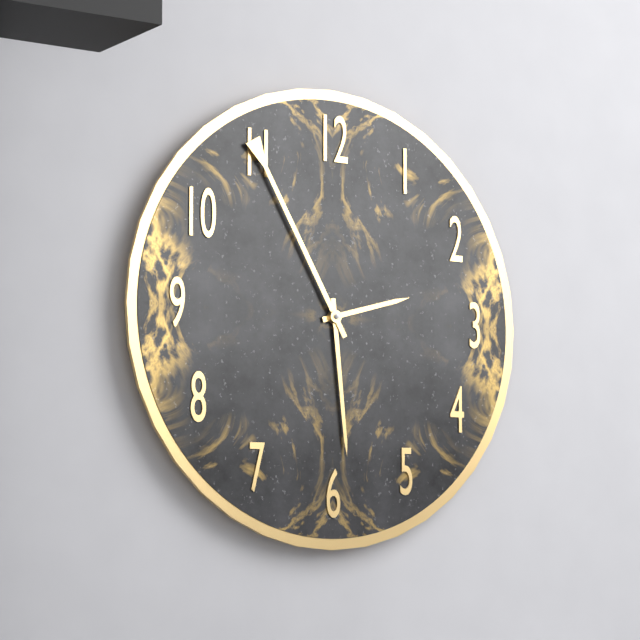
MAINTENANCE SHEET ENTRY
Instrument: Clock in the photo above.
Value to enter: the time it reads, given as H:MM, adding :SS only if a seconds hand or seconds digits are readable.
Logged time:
2:29:55
